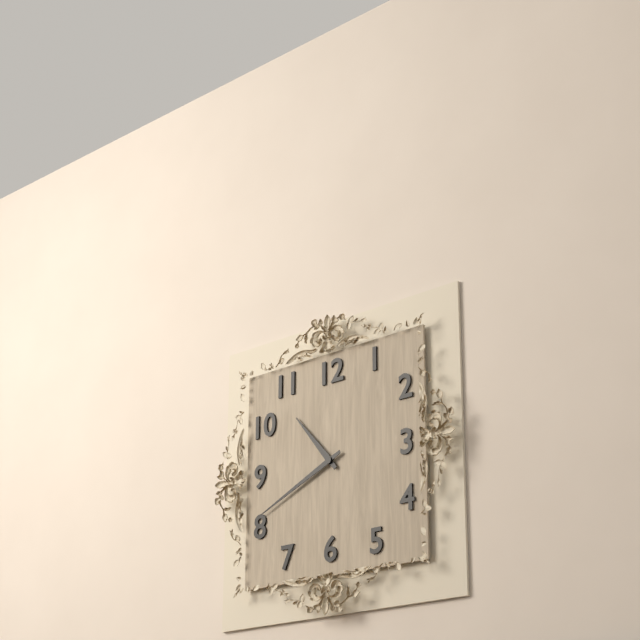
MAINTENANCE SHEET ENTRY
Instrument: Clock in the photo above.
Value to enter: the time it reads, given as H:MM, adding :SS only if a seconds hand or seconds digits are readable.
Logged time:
10:41
